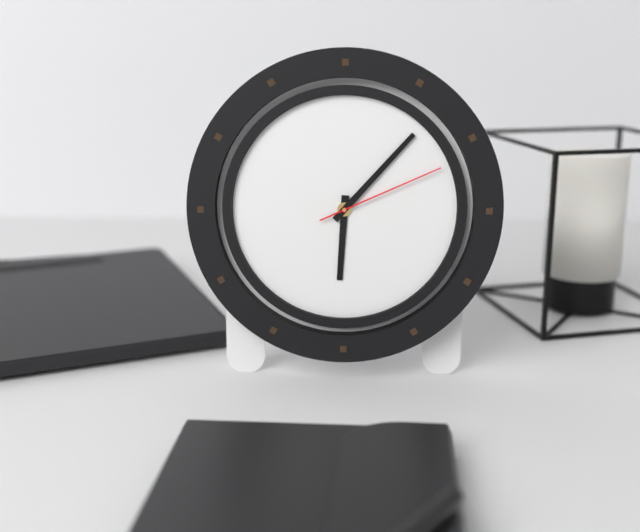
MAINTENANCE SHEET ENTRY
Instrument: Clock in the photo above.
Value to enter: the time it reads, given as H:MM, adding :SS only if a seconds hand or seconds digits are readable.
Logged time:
6:07:11
